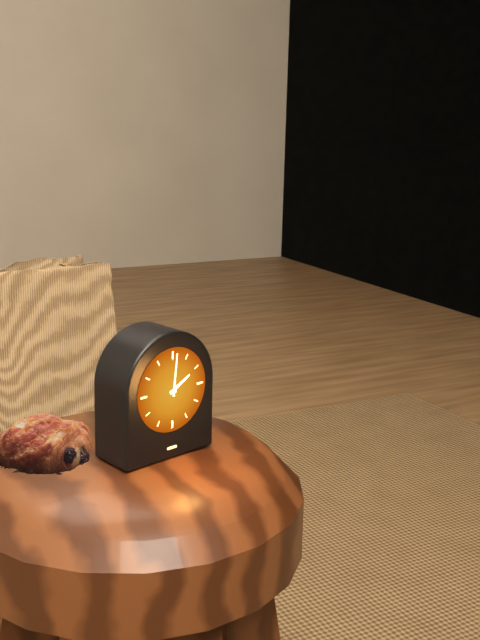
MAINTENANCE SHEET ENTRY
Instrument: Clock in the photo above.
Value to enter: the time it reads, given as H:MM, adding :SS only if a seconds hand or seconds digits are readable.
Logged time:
2:01
